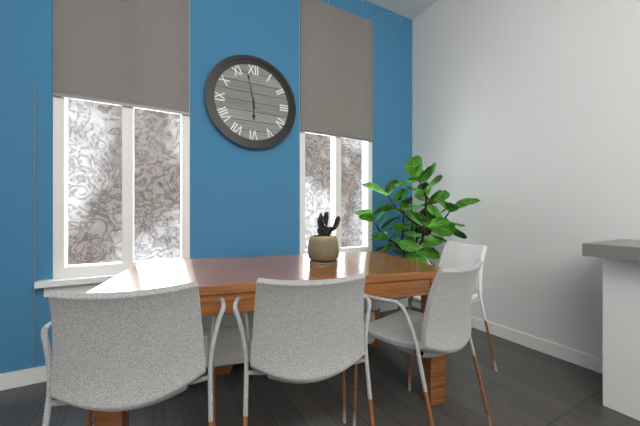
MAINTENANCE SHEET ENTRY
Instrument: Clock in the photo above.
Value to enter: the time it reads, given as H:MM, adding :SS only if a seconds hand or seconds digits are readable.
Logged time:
5:58
